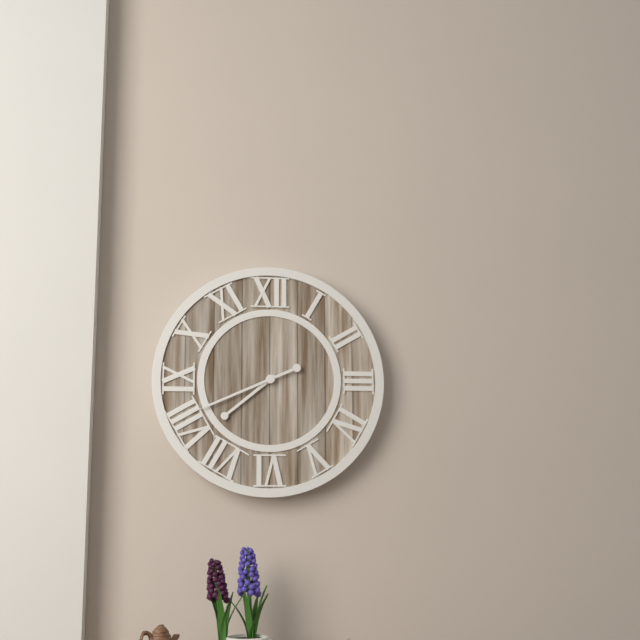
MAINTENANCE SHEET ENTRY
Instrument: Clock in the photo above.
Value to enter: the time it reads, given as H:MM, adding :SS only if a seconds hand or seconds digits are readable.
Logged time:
7:41
